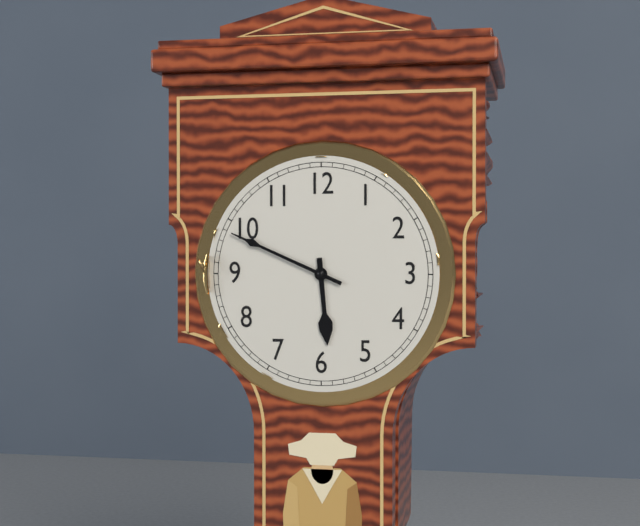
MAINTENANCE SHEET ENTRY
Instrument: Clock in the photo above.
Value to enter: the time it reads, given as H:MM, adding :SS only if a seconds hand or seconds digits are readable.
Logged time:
5:49
